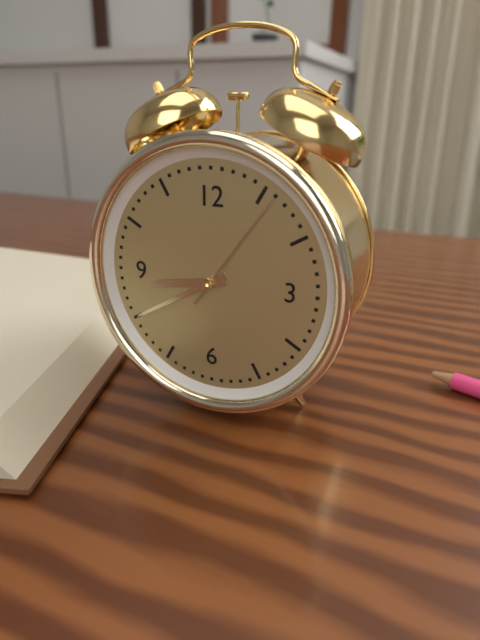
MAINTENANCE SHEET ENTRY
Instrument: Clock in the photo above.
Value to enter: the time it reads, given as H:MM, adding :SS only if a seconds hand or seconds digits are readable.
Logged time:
8:40:06
